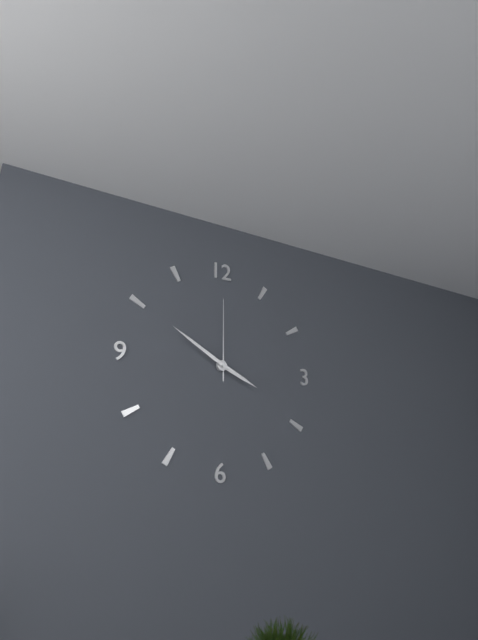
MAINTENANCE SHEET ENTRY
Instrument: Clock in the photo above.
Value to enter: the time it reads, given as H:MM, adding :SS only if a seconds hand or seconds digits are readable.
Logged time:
3:50:00
